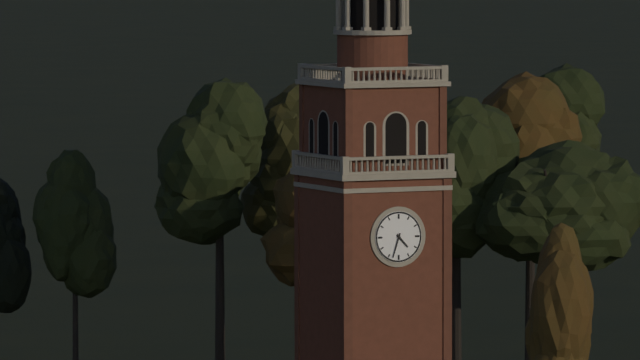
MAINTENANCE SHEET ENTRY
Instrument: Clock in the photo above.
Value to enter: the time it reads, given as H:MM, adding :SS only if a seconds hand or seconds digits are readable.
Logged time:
4:33
